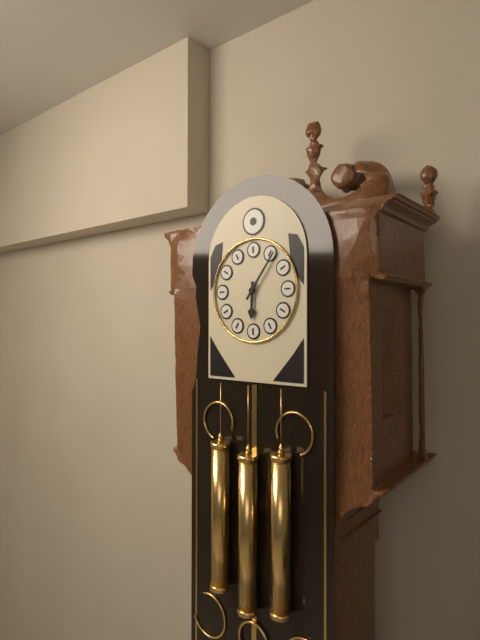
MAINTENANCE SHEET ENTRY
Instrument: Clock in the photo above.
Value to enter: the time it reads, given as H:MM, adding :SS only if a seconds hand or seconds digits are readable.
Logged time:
6:06
